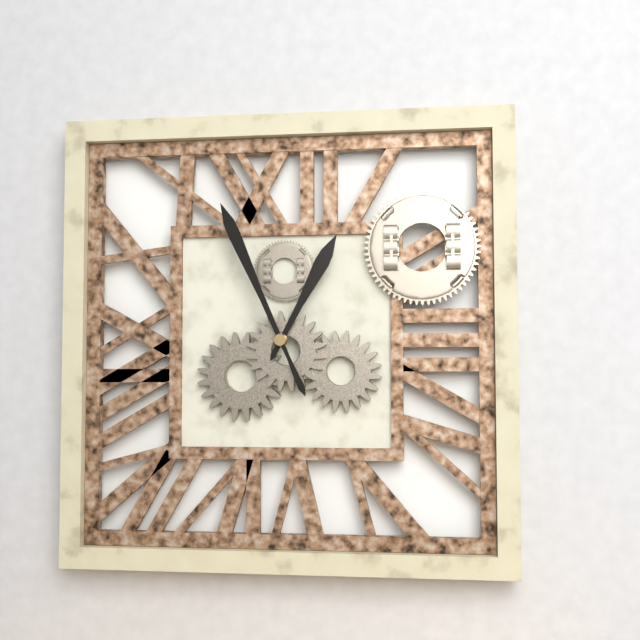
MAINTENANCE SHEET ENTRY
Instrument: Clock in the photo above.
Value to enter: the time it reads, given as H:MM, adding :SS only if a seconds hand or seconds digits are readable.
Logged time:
12:56
